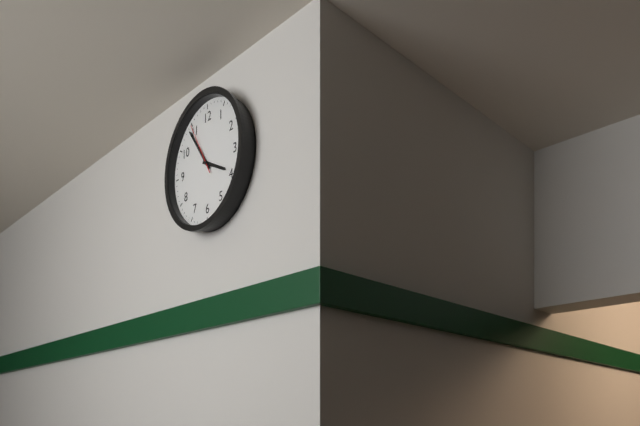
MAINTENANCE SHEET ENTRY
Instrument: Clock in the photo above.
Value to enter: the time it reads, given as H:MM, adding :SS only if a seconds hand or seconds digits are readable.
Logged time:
3:54:55
